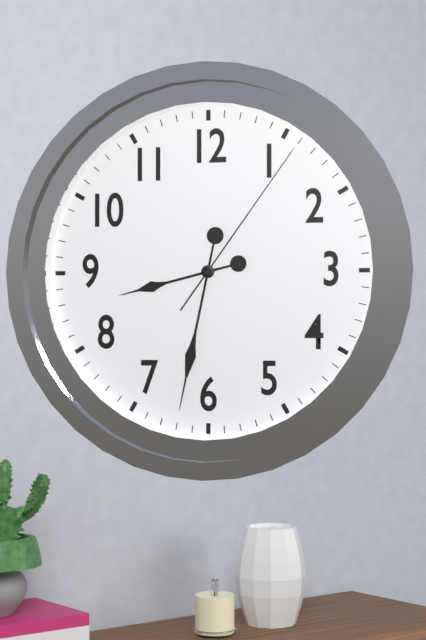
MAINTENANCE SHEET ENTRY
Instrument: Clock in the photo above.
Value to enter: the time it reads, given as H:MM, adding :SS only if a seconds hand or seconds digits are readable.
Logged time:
8:32:06
